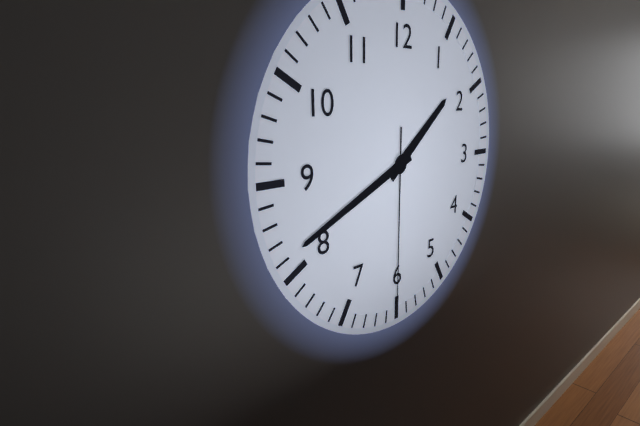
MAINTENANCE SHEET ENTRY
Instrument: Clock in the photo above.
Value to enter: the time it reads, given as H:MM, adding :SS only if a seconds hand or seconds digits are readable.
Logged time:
1:41:30
